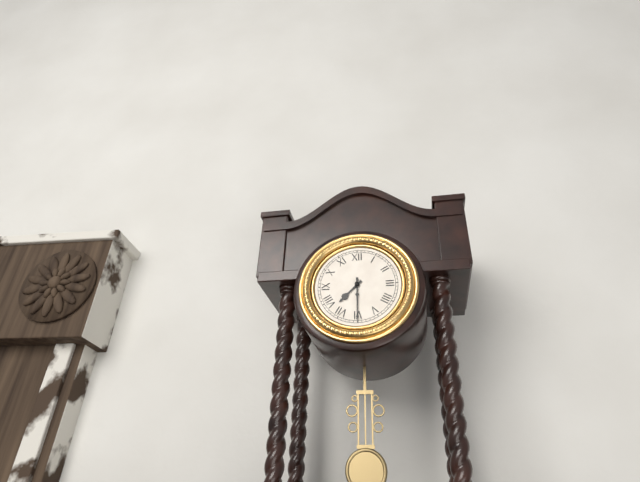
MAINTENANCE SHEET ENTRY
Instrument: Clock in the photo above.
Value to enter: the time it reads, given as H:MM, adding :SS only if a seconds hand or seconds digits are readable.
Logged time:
7:30
